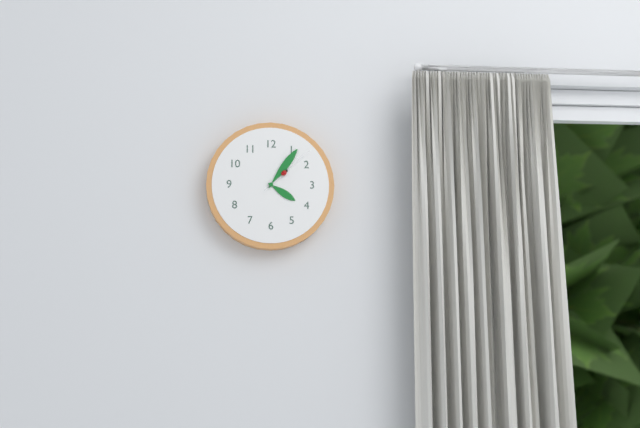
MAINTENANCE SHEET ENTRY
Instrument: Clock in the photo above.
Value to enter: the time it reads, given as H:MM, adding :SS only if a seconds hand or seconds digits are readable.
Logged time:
4:06:08
